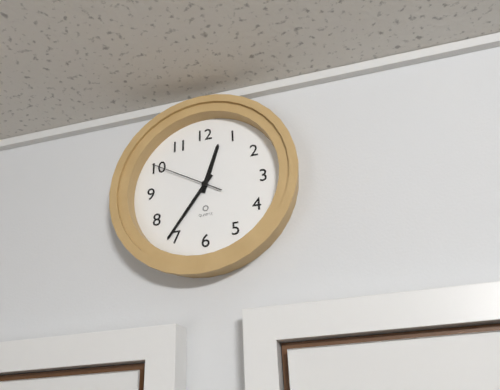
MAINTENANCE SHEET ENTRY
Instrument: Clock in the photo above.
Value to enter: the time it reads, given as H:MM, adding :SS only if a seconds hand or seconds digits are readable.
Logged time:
12:36:50
